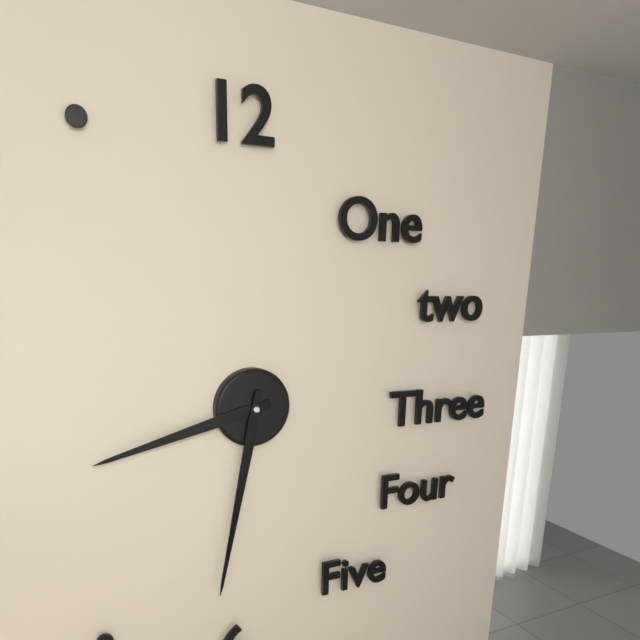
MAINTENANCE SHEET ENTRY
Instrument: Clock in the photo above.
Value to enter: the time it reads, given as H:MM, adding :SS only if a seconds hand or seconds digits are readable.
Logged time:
8:32
